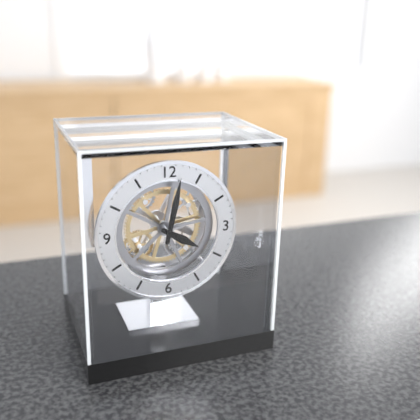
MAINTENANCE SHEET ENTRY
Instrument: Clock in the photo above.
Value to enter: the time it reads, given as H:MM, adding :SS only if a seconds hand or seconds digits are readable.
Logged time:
4:02
